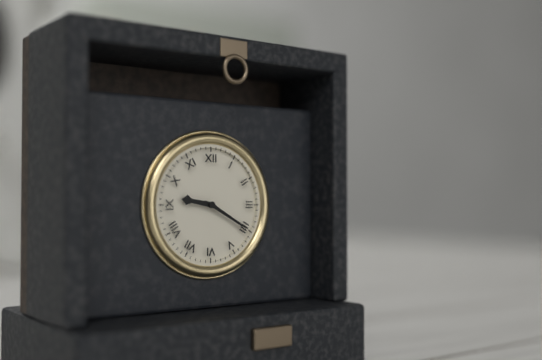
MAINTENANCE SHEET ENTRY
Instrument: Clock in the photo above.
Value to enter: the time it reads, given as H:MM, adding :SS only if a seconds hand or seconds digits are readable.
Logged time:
9:20
